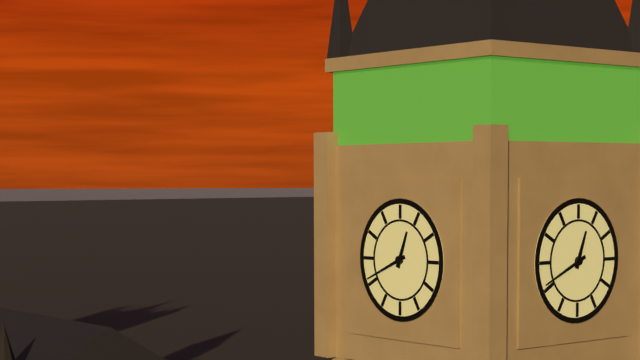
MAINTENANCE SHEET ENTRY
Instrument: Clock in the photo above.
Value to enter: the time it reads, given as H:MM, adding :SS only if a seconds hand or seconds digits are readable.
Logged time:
12:41
